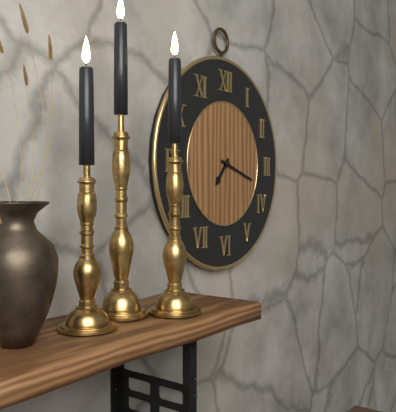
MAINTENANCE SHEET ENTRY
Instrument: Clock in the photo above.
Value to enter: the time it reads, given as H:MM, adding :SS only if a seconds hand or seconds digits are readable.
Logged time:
7:18
